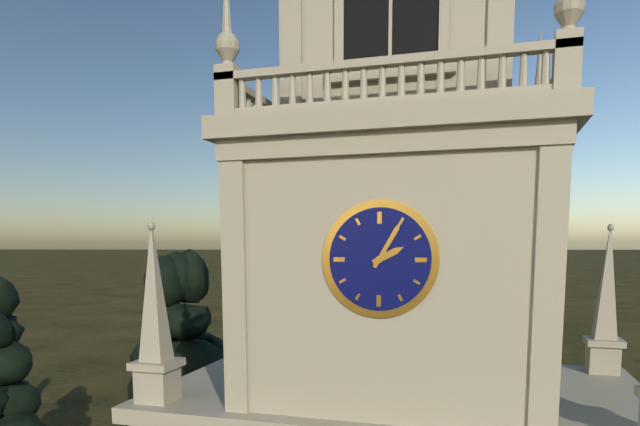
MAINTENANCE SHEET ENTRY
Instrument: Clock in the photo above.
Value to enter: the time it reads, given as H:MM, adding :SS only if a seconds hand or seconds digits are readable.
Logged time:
2:05
